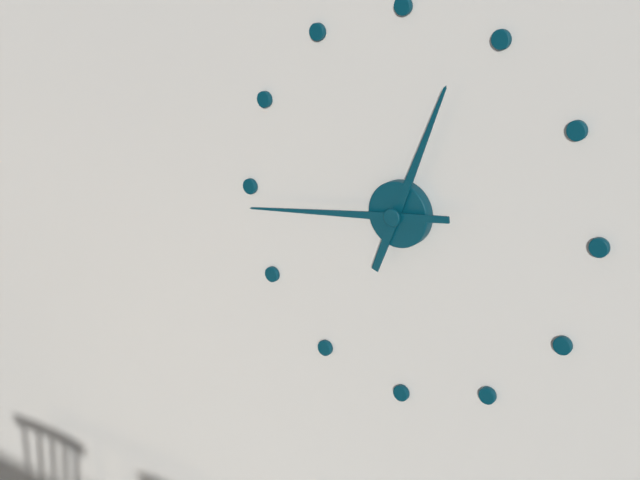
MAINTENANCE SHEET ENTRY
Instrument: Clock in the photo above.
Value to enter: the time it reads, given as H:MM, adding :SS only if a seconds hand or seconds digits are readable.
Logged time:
12:44
